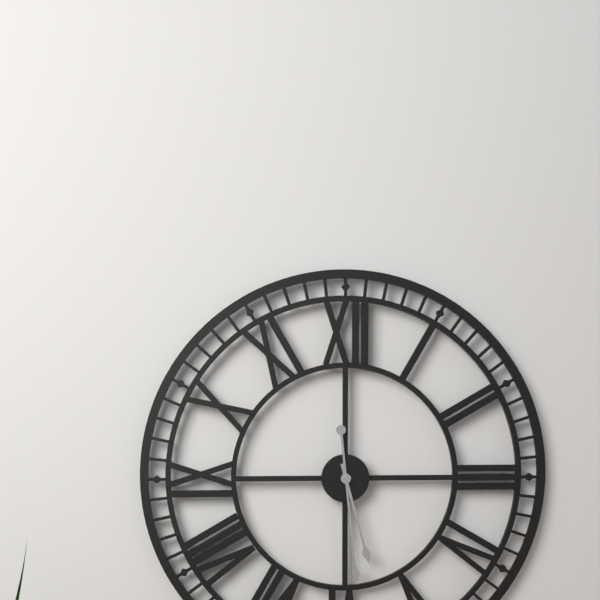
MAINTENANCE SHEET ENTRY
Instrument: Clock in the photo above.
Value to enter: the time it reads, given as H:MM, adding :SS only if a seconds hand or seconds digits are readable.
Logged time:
5:29
